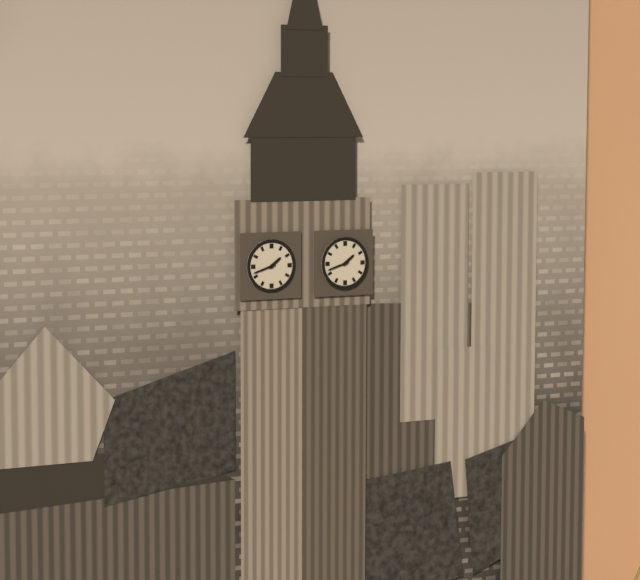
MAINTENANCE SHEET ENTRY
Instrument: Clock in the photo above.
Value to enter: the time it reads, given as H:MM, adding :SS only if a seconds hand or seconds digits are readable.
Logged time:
1:42
